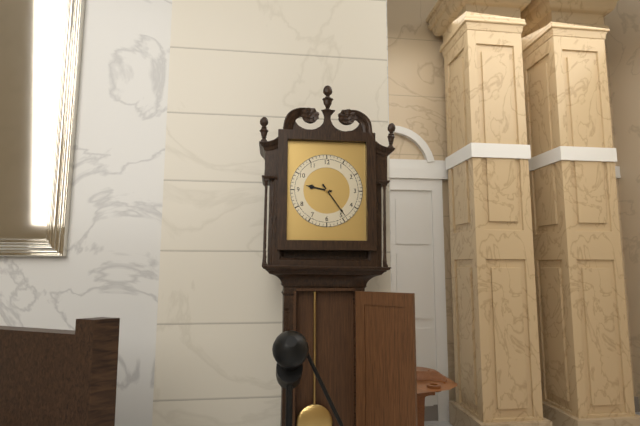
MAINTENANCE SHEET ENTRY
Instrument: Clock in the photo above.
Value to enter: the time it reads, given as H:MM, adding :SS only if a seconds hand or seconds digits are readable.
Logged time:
9:24
